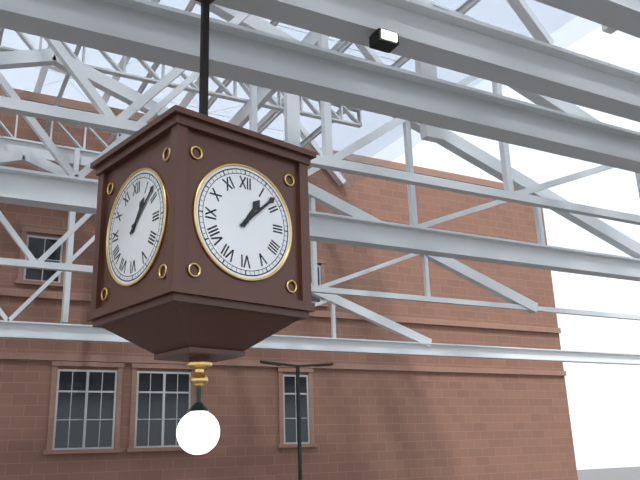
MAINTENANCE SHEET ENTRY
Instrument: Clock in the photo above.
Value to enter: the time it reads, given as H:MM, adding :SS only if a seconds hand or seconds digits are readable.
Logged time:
1:08
